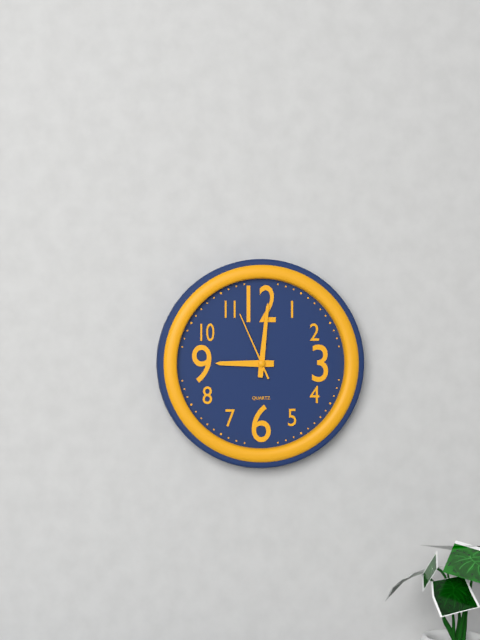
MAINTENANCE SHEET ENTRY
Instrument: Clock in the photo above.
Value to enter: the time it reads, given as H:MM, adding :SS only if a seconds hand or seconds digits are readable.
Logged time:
9:01:56
